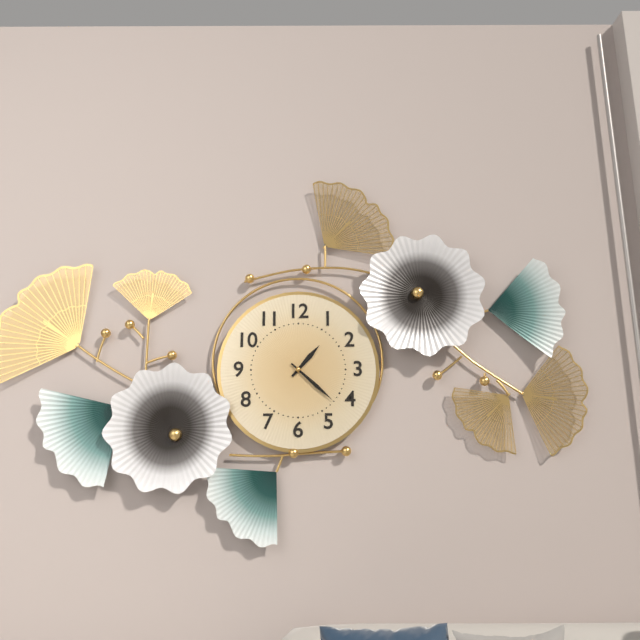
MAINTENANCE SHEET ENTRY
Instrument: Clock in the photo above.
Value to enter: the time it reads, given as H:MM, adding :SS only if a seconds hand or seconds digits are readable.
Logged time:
1:22
